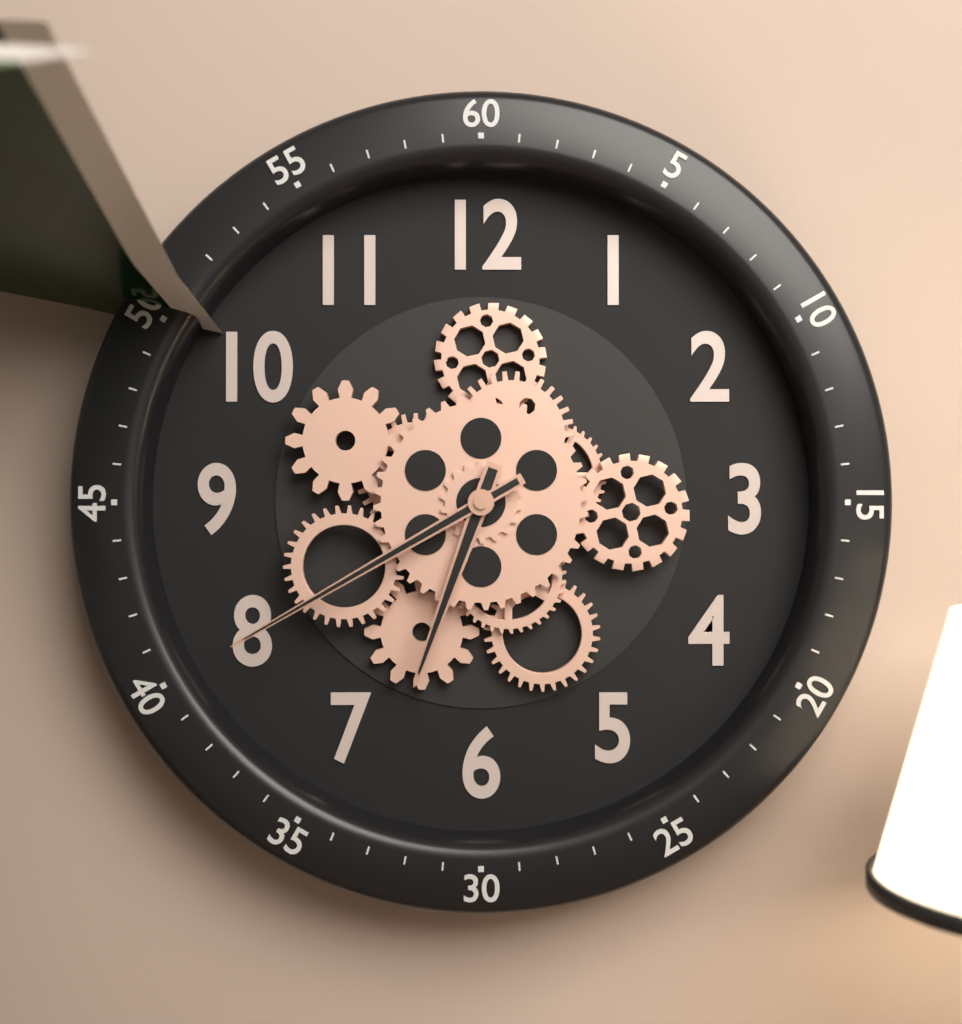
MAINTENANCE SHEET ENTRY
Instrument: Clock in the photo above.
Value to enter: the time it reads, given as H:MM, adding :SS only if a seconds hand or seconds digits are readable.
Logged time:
6:40
